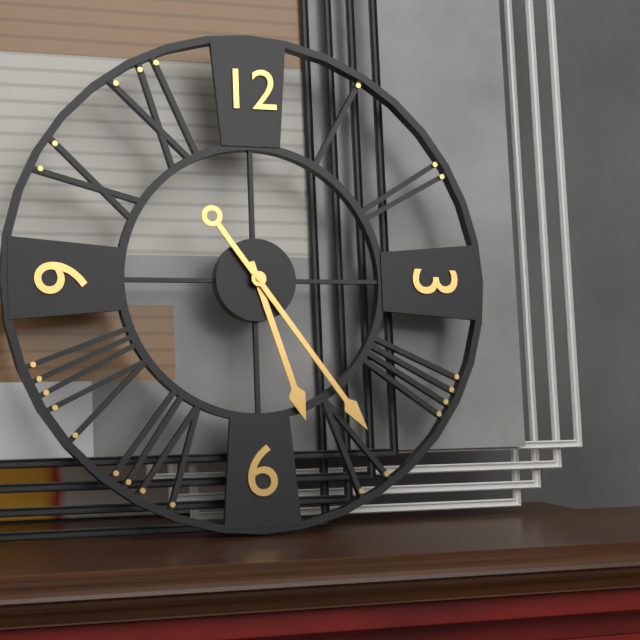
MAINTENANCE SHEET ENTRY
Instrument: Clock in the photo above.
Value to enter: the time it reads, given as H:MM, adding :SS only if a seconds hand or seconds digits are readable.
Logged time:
5:24
